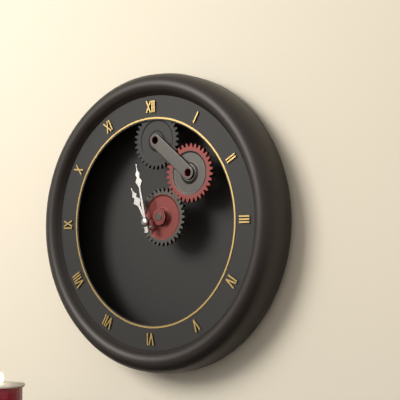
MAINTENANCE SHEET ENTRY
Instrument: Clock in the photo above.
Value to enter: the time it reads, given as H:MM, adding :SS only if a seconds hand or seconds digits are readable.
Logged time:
10:58
